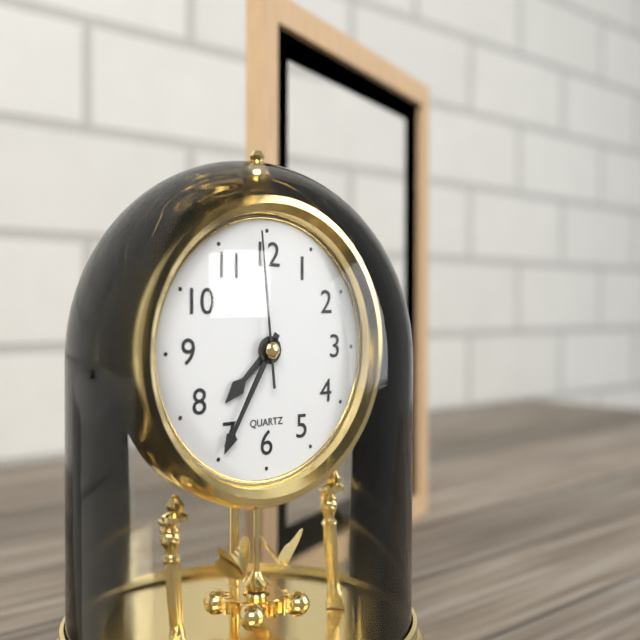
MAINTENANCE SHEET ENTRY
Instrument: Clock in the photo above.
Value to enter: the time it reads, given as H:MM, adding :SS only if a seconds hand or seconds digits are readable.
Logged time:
7:35:59
